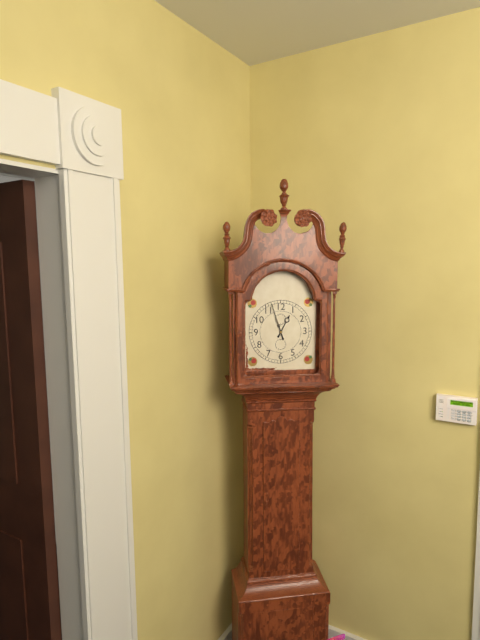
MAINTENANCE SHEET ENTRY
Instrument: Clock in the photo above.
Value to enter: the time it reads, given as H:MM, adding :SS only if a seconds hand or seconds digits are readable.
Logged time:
12:57
